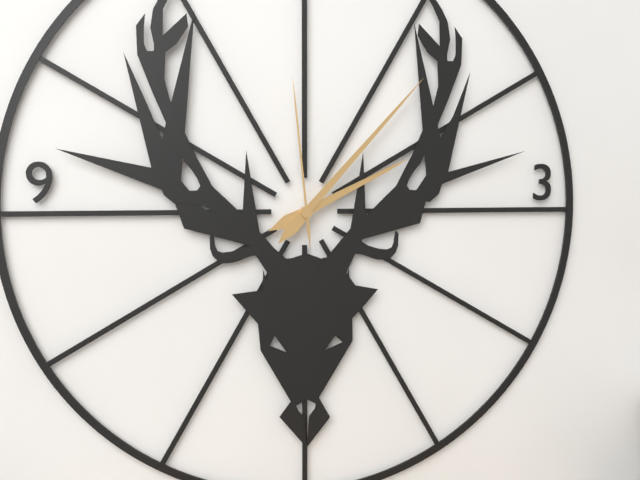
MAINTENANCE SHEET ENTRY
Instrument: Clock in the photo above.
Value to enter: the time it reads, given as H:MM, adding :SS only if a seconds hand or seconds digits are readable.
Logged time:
2:07:59
